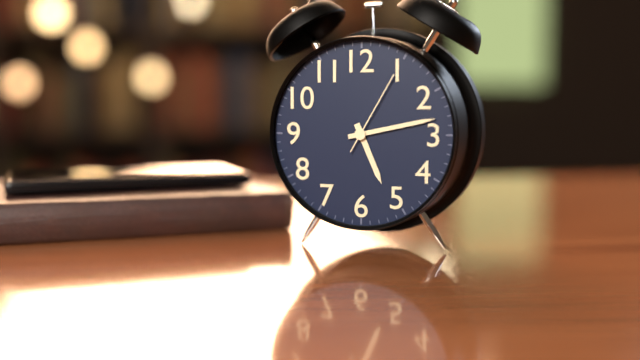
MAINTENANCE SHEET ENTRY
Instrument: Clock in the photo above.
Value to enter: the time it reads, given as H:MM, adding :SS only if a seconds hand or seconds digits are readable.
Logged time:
5:13:05
